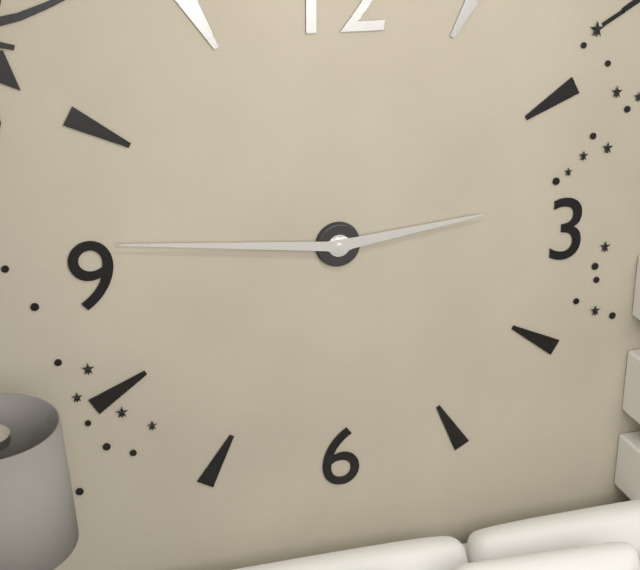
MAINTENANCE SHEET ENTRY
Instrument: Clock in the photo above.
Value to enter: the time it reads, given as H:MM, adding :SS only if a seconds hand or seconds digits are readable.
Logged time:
2:46
